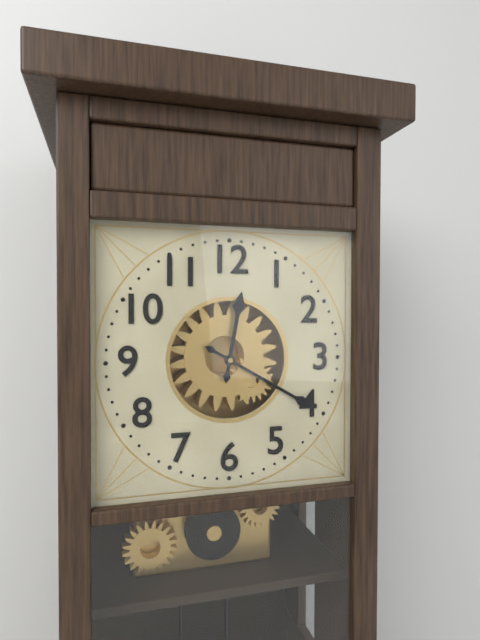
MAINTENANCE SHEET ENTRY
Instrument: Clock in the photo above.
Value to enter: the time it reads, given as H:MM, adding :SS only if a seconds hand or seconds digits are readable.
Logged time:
12:20
